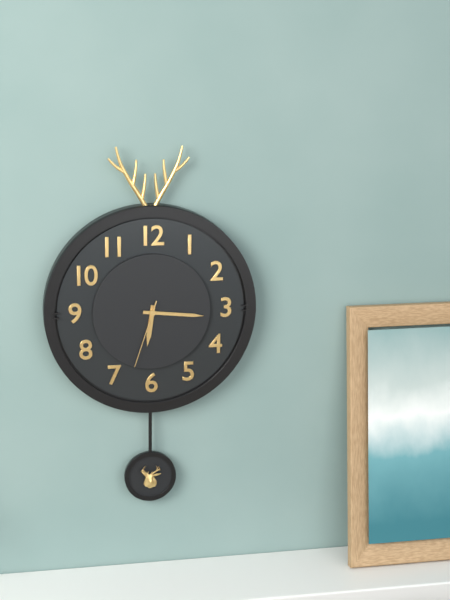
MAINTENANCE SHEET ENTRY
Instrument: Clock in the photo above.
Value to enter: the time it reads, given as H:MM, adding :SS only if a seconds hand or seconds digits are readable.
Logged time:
6:16:33
